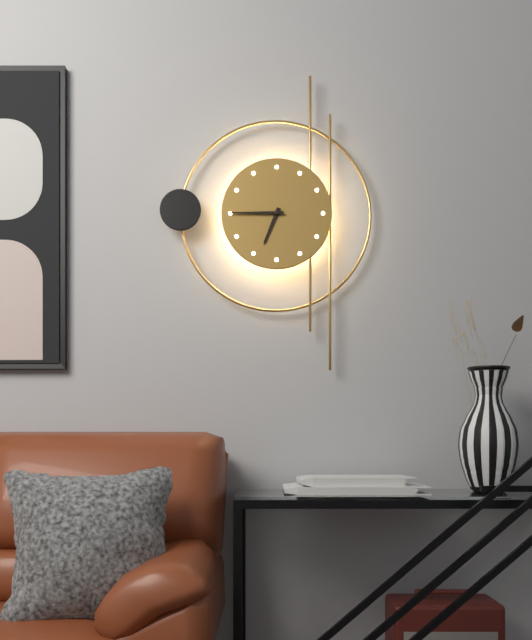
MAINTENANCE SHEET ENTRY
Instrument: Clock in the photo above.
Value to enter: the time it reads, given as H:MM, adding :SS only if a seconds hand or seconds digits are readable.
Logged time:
6:45
